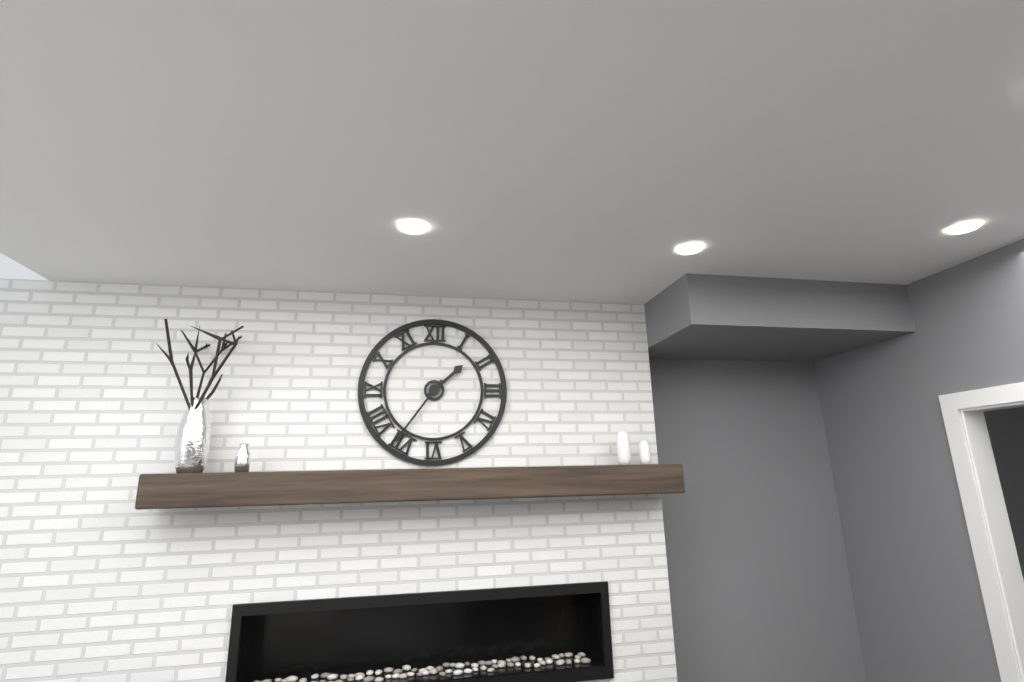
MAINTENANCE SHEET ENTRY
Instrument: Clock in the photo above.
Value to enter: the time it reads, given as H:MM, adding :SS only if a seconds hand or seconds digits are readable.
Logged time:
1:36
